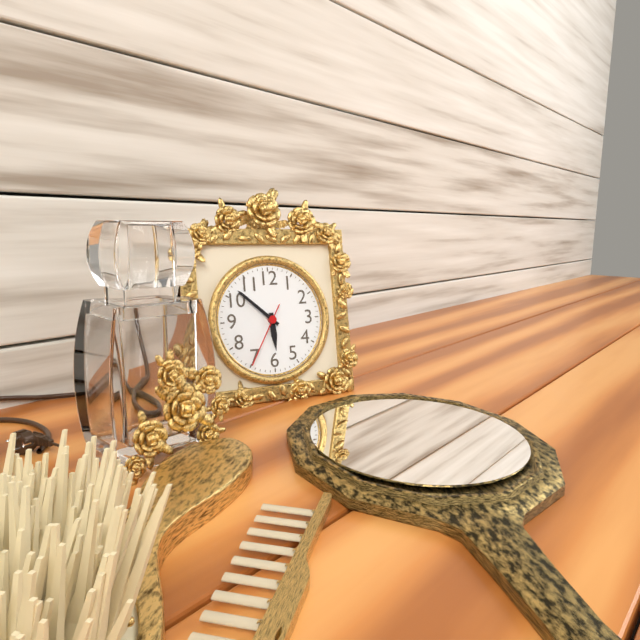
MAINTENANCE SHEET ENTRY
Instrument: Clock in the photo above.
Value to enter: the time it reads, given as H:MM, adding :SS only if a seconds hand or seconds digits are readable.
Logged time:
5:52:35
